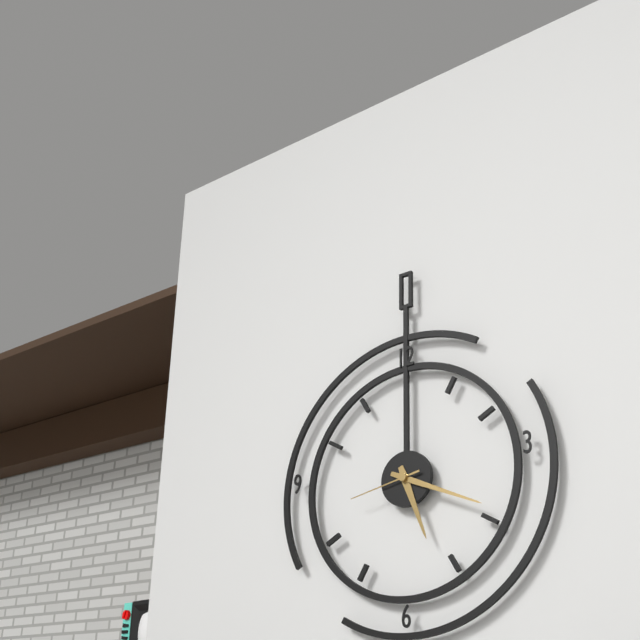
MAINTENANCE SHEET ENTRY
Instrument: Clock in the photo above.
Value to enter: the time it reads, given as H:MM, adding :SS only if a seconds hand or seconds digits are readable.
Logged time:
5:19:43
